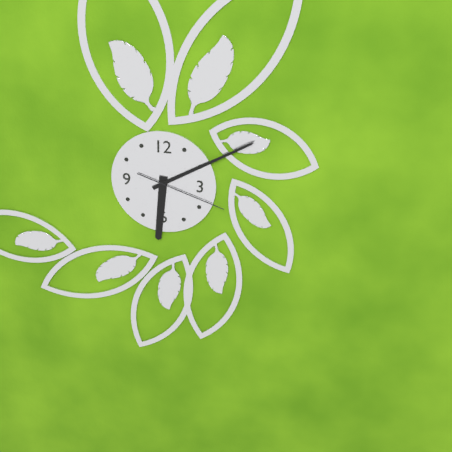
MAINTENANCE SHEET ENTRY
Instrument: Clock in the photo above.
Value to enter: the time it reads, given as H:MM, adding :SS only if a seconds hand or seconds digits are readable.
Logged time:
6:10:18
